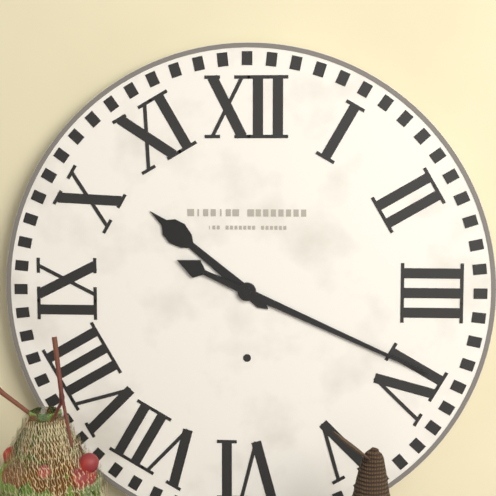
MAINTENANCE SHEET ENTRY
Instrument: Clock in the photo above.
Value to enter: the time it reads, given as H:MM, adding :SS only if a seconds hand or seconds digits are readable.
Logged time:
10:19
